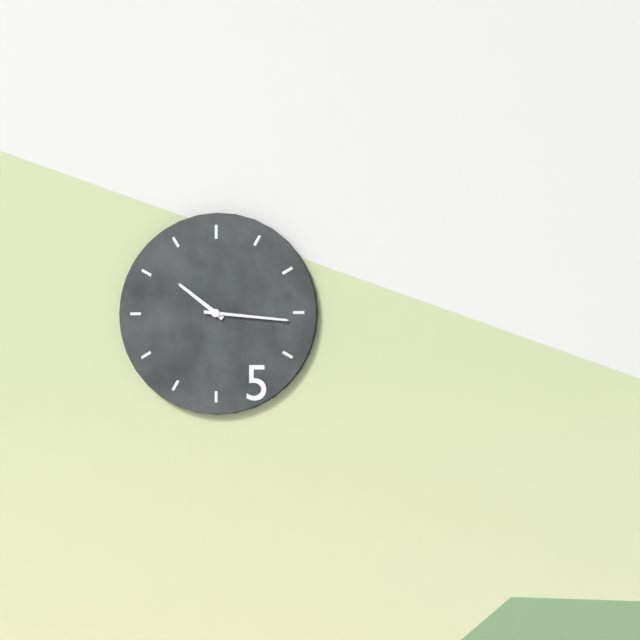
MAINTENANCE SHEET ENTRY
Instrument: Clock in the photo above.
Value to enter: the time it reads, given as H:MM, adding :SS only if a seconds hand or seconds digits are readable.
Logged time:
10:16
